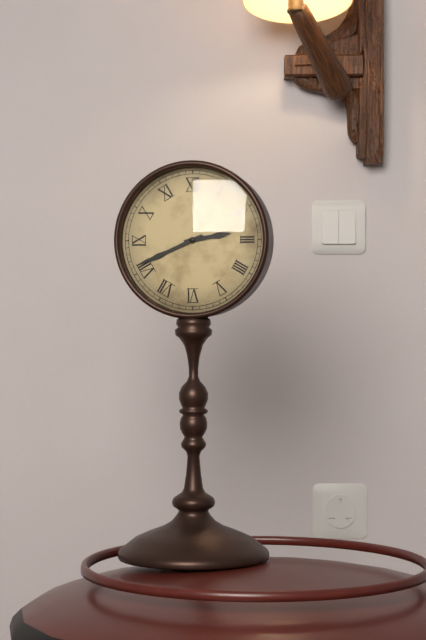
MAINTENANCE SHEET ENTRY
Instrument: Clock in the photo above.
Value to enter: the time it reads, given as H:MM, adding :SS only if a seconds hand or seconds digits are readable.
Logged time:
2:41
